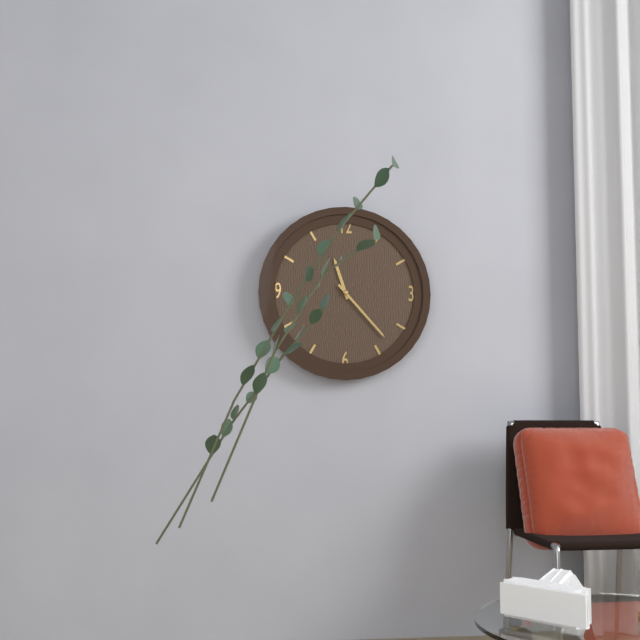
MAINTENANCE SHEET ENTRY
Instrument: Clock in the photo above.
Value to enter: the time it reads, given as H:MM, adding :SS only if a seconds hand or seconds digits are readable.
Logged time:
11:23
